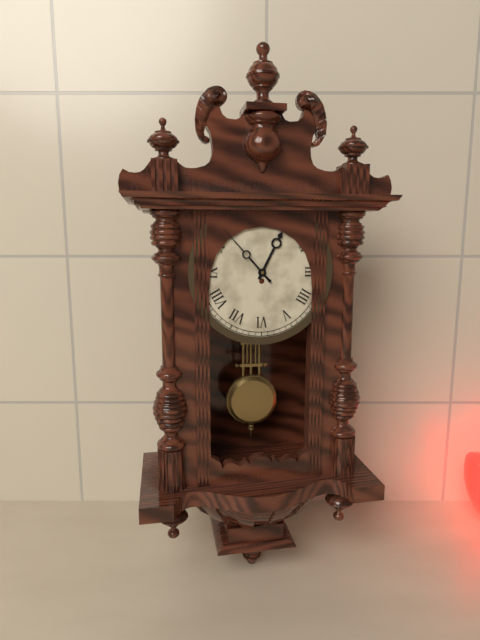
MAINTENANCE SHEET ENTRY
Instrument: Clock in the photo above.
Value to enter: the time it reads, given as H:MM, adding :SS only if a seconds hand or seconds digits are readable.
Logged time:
12:53
